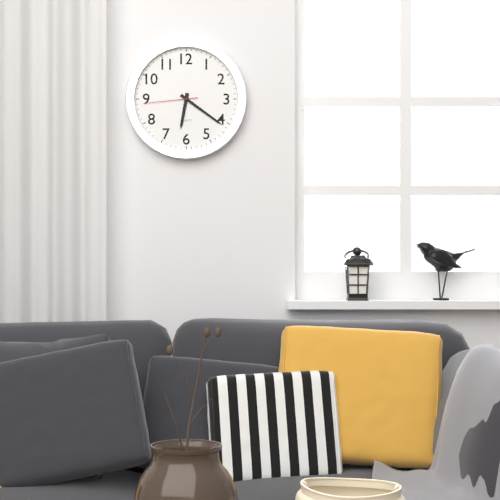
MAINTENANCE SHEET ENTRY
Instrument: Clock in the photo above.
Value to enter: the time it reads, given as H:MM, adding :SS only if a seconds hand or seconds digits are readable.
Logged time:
6:21:44
